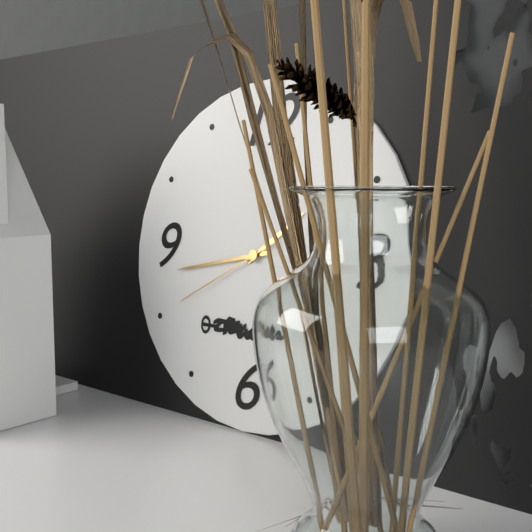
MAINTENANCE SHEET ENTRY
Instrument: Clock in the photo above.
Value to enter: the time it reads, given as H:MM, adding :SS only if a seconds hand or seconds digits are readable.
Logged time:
1:43:40
